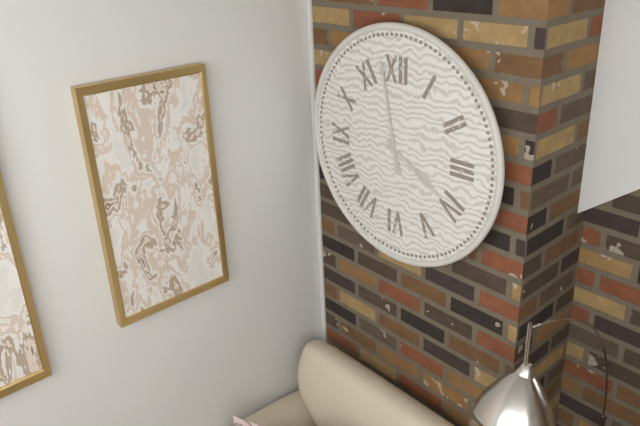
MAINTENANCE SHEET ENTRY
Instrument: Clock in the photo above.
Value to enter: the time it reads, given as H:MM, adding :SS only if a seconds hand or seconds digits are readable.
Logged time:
3:58
